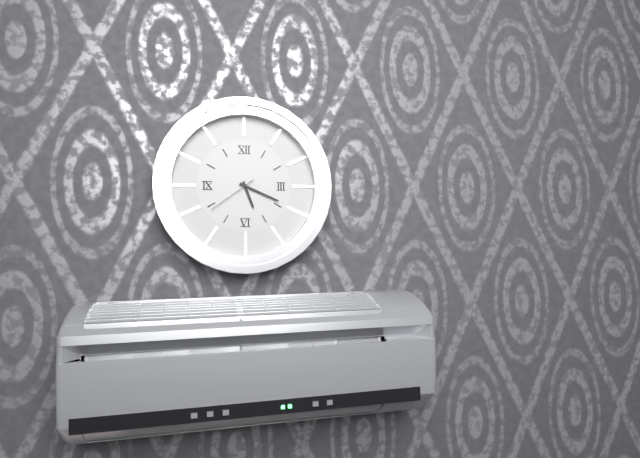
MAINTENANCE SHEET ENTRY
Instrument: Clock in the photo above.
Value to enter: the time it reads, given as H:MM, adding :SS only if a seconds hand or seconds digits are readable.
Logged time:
5:19:39
